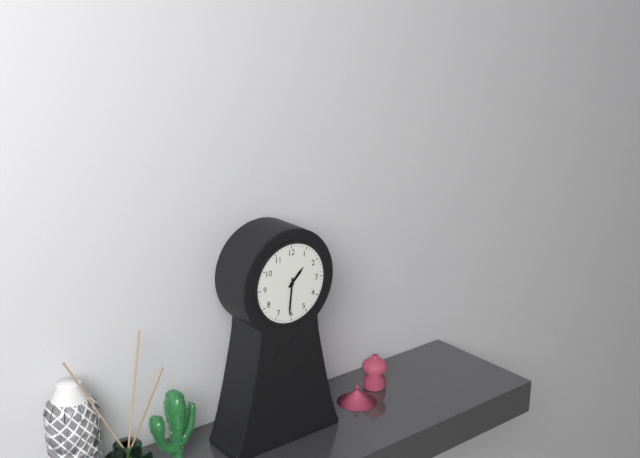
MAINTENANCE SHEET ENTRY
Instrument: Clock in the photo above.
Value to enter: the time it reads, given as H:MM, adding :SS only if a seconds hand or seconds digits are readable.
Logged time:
1:31
